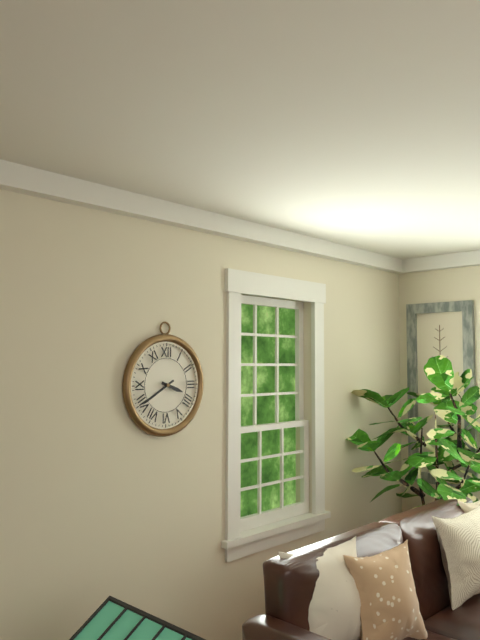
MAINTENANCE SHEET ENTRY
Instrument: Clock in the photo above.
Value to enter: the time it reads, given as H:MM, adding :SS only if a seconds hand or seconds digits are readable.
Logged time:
3:40
